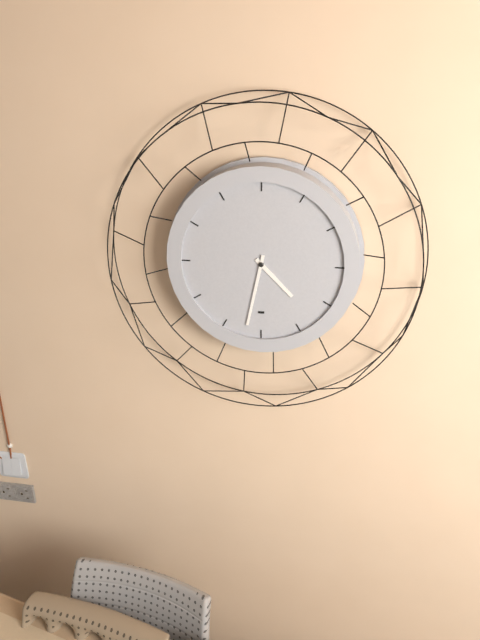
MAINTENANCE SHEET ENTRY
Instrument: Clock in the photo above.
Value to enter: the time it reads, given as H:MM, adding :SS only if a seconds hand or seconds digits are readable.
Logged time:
4:32
